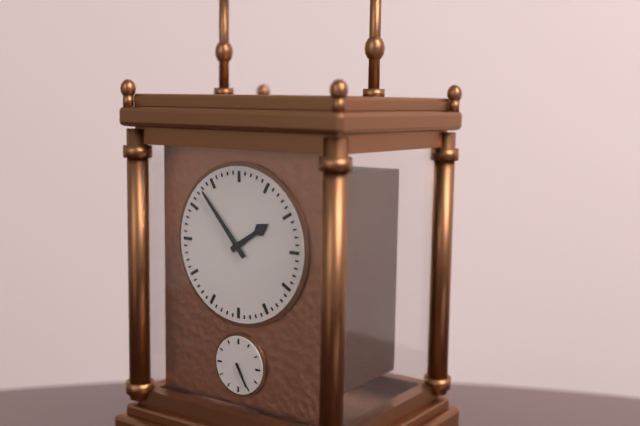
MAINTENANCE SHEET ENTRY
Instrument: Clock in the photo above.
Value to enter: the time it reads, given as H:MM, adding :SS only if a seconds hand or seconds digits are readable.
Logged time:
1:53
